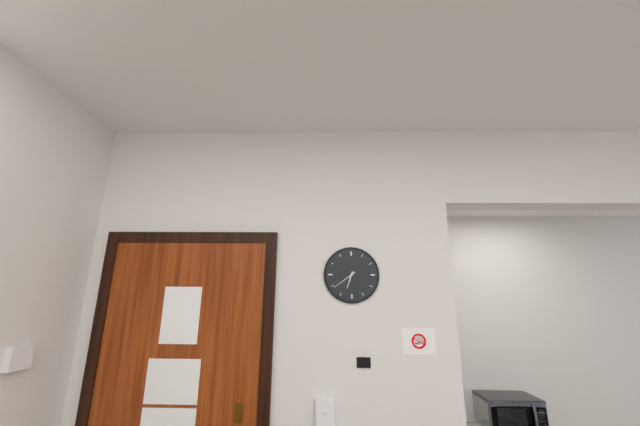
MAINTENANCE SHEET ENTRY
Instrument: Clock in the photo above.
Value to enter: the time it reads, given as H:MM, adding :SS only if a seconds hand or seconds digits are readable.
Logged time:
6:39
